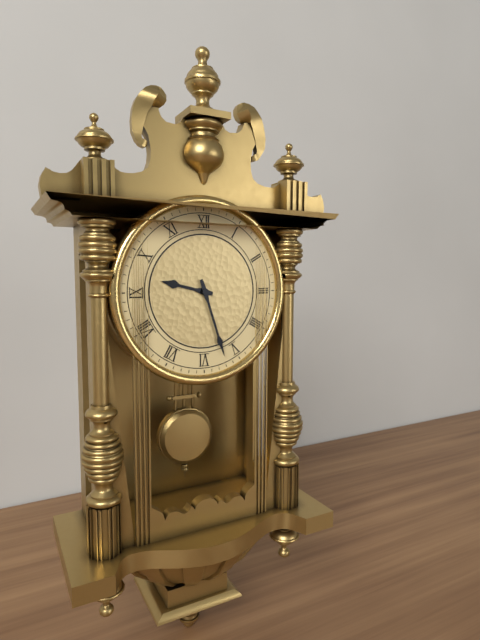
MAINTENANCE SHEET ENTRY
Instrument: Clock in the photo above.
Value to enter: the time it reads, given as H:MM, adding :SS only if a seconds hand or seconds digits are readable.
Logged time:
9:27
